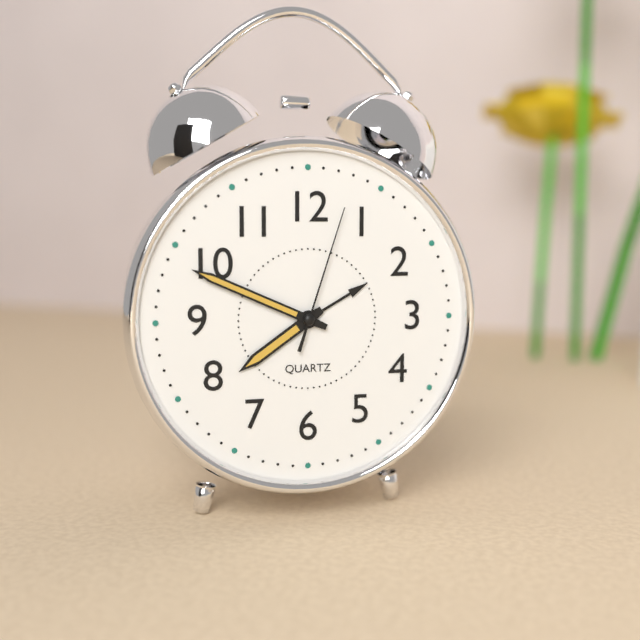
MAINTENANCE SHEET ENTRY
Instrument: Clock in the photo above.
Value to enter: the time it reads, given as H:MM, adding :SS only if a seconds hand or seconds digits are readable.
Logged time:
7:49:03
